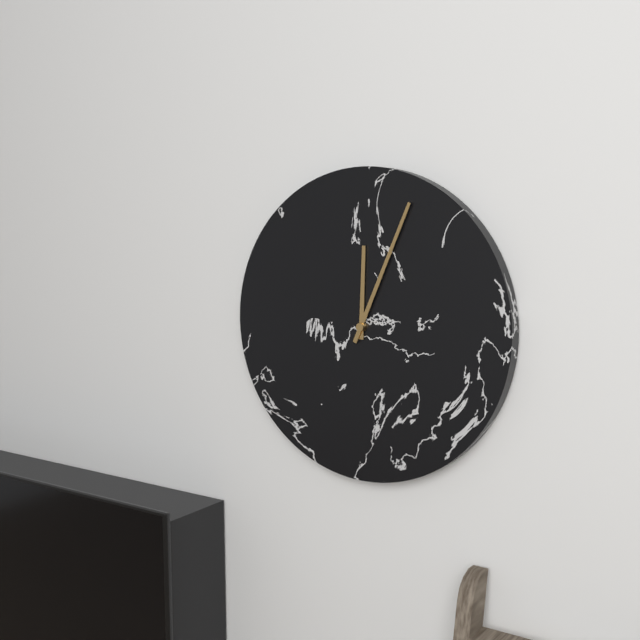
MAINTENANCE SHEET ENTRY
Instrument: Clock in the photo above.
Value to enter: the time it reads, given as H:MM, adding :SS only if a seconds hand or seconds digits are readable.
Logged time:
12:04
